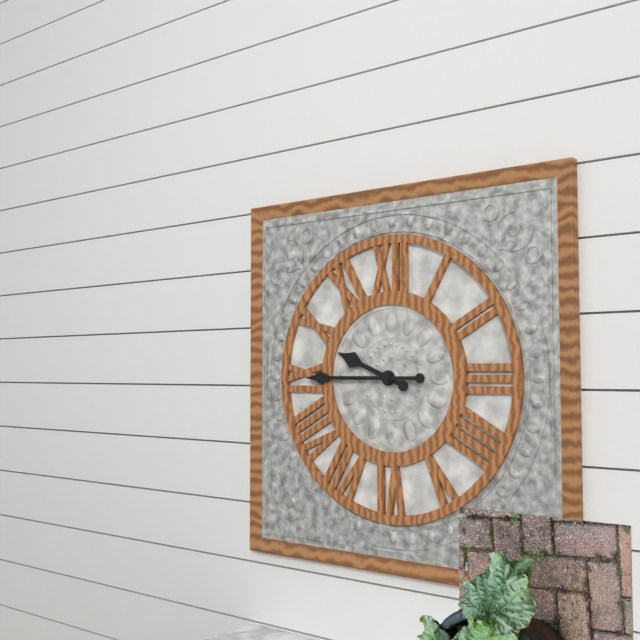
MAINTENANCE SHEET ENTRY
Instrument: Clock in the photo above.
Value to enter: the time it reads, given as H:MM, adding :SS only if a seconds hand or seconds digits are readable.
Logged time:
9:45
